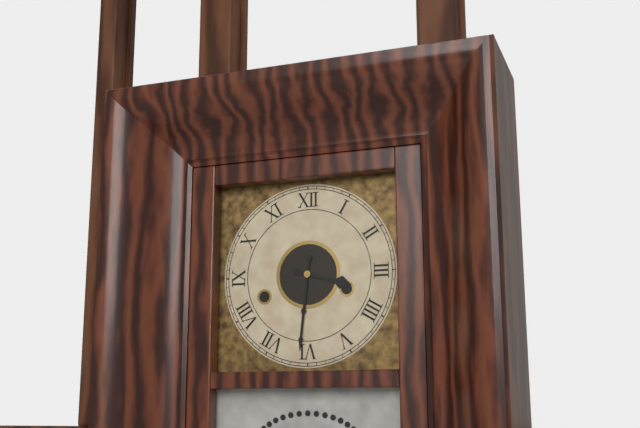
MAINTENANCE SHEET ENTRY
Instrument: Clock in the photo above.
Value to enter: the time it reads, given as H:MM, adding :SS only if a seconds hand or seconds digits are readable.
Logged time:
3:31
